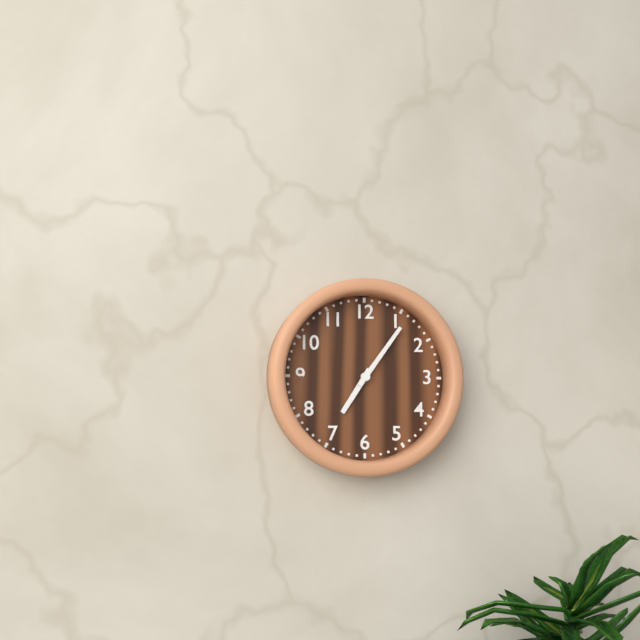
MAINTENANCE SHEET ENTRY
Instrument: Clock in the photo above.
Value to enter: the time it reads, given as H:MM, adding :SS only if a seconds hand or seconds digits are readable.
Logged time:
7:06
